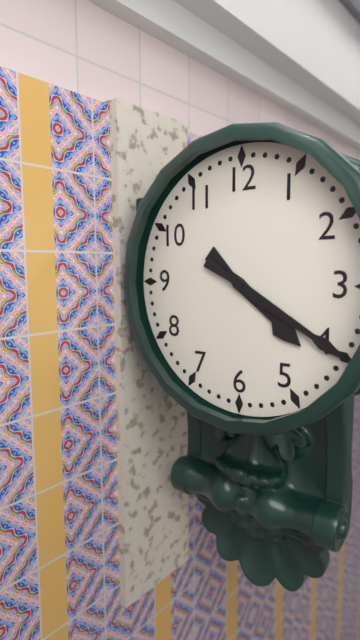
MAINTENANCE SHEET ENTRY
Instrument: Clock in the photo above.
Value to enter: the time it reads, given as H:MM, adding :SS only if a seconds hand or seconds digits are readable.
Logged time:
4:20
